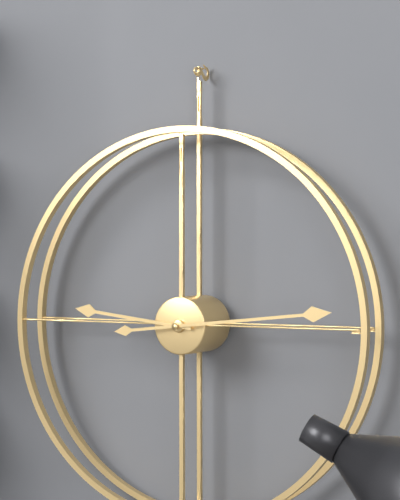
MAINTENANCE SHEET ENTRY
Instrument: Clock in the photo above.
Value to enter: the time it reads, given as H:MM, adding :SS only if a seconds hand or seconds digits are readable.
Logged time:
9:14
